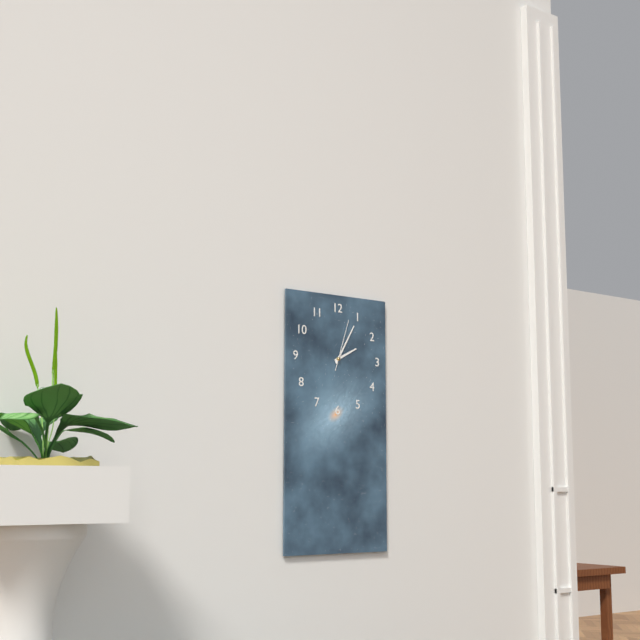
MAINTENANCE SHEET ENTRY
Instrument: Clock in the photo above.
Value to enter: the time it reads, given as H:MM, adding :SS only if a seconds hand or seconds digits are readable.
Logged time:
2:05:03
